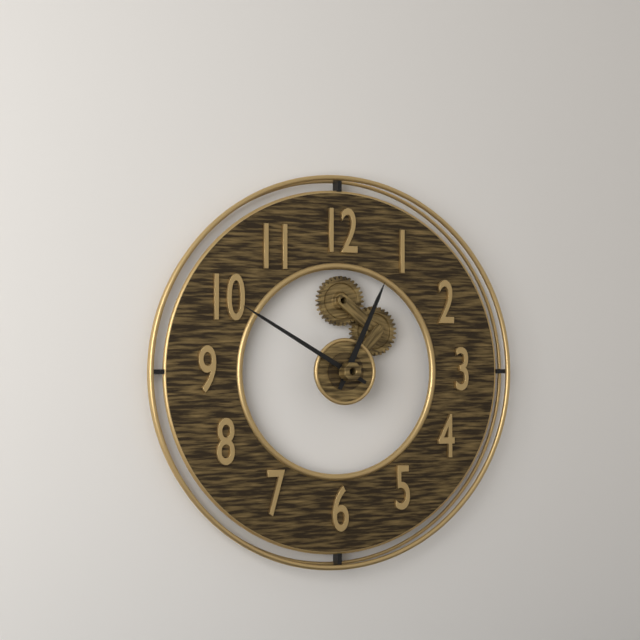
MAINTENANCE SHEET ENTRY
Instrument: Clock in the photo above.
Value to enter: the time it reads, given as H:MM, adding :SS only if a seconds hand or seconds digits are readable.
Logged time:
12:50
